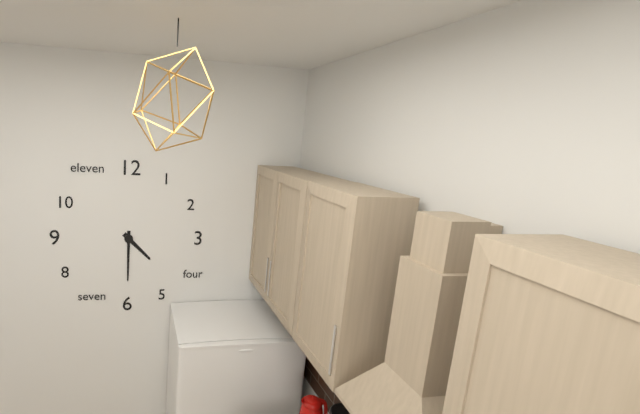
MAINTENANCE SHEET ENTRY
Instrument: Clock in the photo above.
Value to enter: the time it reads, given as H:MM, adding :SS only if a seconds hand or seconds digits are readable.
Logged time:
4:30
